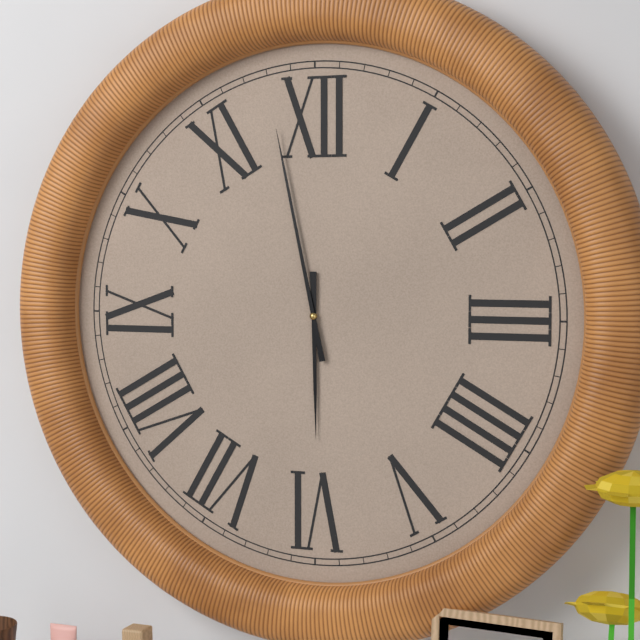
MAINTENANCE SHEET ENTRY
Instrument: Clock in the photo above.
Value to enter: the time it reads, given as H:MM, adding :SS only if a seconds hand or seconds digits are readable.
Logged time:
5:58
